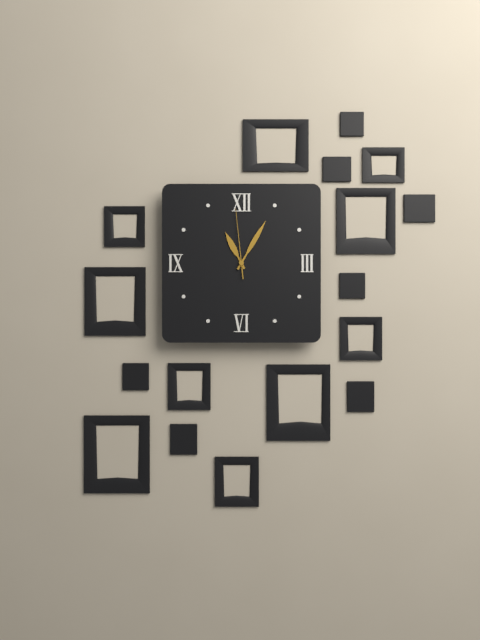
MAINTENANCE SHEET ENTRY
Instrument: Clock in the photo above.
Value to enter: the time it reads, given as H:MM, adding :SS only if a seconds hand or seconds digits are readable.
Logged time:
11:05:59
